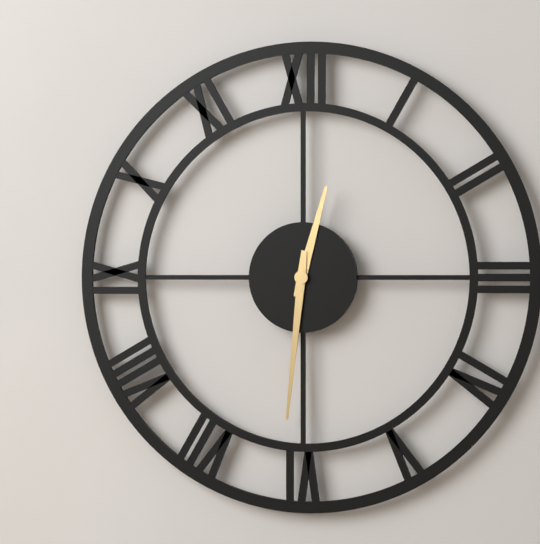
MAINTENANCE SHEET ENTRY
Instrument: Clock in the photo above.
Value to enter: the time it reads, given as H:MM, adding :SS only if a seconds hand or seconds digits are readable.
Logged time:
12:31
